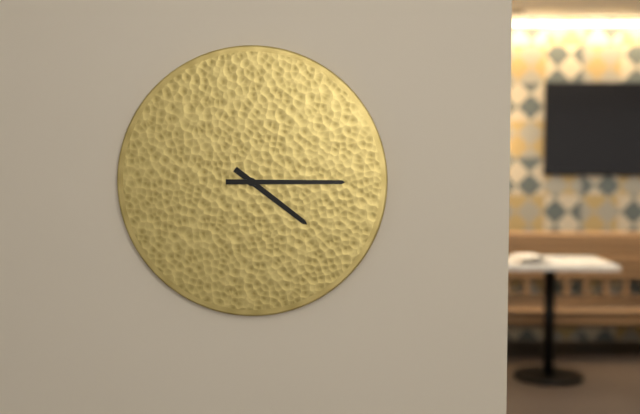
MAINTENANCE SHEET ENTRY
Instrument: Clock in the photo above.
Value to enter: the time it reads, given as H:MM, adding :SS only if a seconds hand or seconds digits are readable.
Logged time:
4:15
